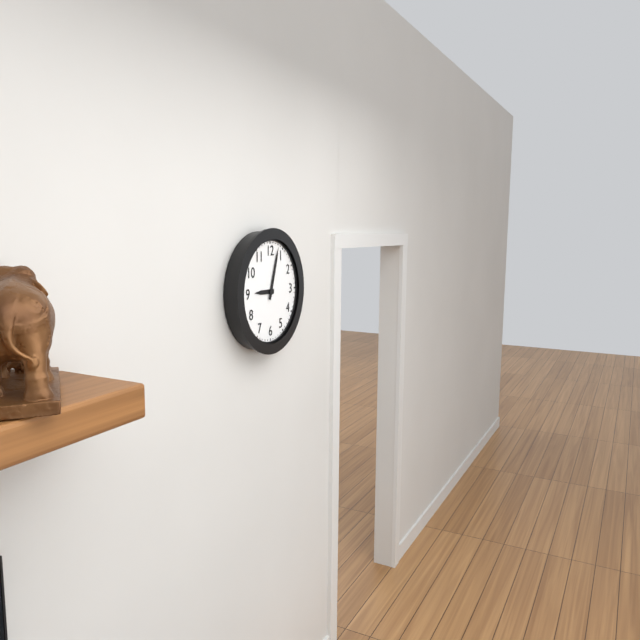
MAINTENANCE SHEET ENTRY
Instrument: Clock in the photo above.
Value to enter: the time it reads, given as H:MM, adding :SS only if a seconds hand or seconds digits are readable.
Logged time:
9:03
